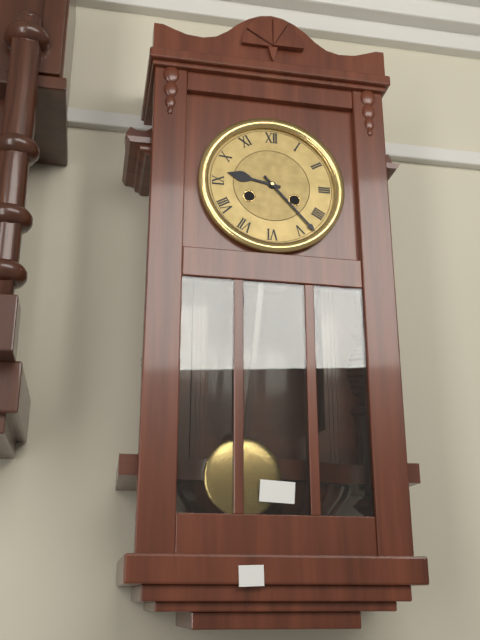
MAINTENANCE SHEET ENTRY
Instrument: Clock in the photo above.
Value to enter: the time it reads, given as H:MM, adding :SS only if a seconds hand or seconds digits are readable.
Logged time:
9:23
